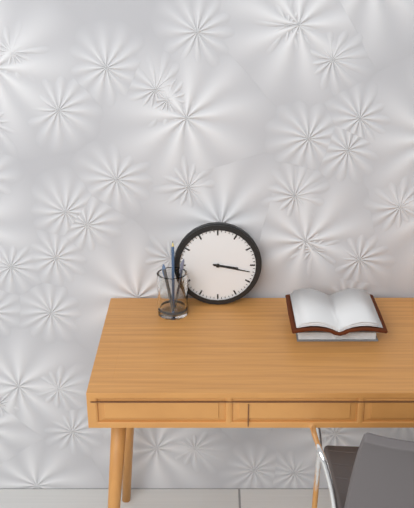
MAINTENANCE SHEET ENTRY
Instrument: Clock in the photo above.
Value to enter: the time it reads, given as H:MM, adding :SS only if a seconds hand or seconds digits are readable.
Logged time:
3:17
